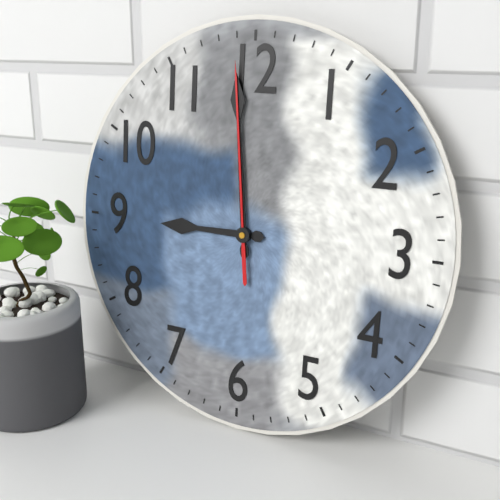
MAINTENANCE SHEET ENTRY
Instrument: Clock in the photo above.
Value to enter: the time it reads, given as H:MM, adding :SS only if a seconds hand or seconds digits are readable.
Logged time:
8:59:59
